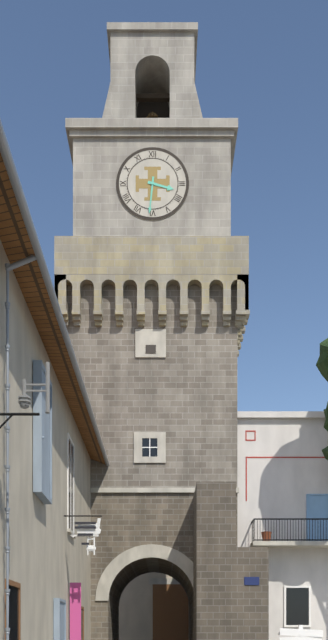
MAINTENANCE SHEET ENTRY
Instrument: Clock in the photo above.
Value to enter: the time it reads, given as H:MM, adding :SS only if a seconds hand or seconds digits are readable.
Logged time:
3:31
